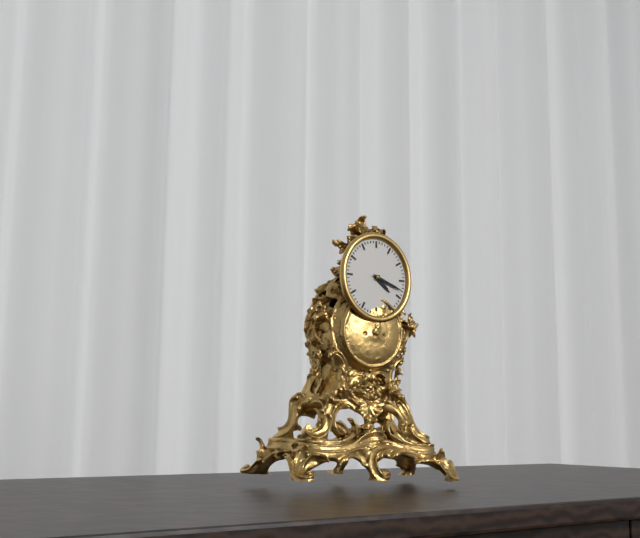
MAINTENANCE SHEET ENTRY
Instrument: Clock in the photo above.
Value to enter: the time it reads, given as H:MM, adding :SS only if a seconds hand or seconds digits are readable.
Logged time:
4:18
